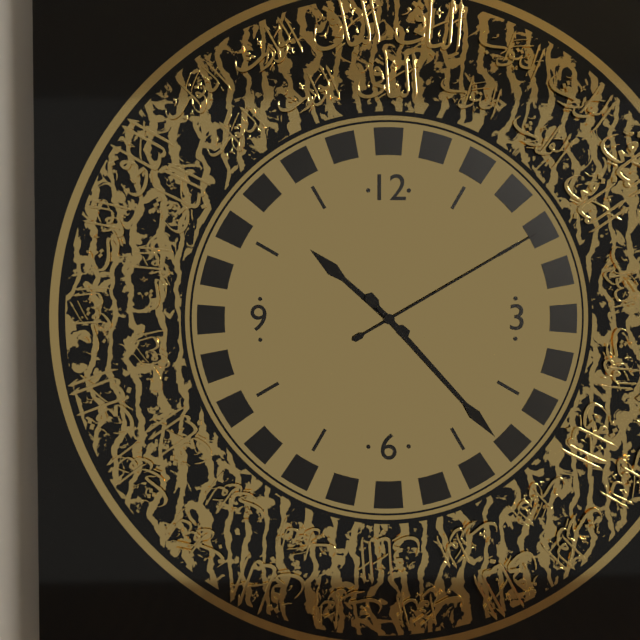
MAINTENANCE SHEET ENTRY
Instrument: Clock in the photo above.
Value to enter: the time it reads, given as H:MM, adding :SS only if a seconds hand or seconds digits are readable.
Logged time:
10:23:10
